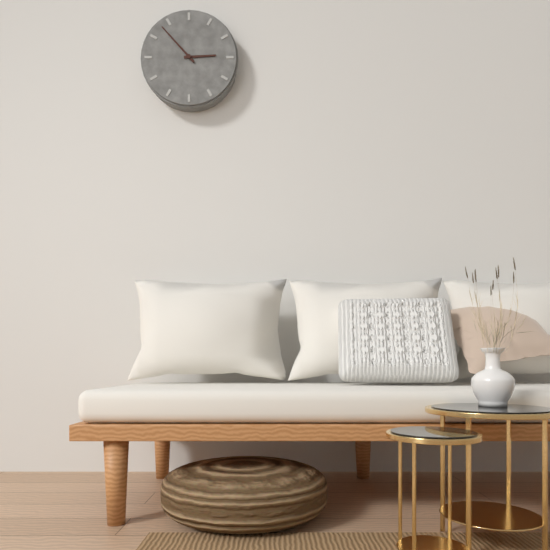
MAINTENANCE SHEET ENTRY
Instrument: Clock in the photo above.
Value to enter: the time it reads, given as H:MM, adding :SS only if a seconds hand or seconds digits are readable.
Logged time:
2:53
